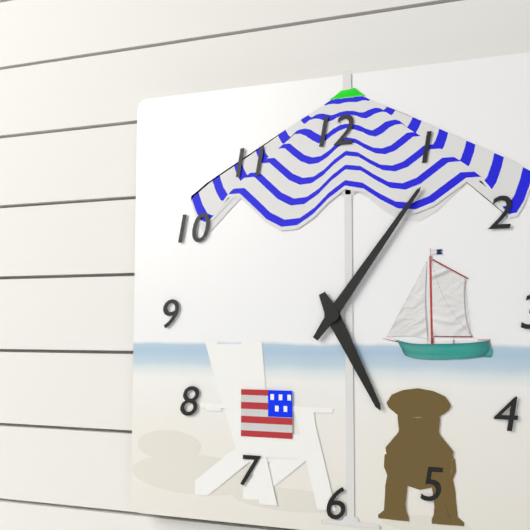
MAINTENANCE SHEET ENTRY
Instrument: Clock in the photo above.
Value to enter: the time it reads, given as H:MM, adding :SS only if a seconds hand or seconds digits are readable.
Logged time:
5:06
